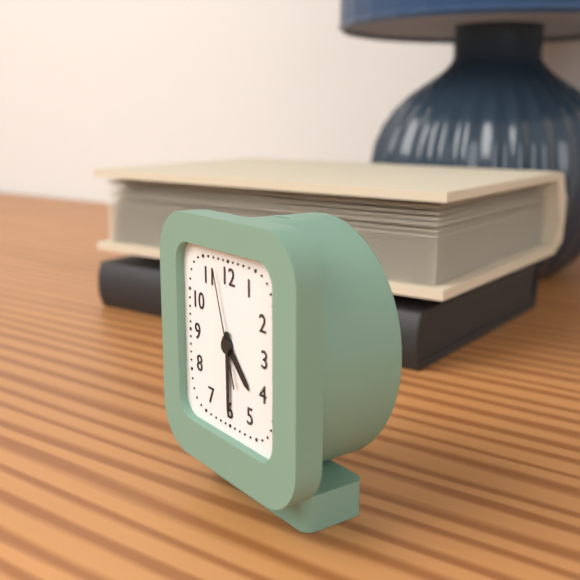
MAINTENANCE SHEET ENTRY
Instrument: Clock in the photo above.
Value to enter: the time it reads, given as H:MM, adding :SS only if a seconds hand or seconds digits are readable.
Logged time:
4:30:57
